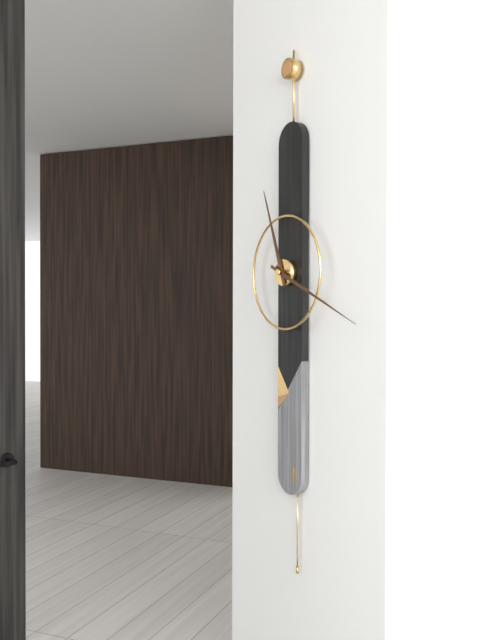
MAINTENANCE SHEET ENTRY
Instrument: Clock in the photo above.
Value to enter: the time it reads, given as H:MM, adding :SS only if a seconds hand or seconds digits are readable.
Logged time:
11:19
